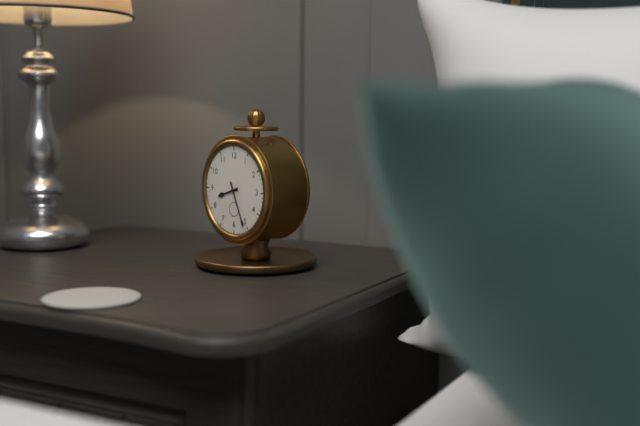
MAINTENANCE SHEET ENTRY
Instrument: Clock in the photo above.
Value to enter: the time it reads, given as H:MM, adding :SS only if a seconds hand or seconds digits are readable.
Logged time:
8:26
